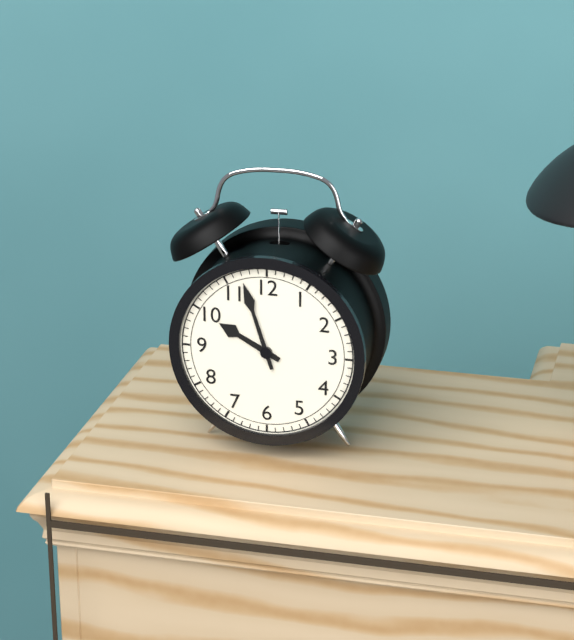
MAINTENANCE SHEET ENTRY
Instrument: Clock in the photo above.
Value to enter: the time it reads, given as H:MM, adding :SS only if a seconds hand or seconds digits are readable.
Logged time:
9:57
